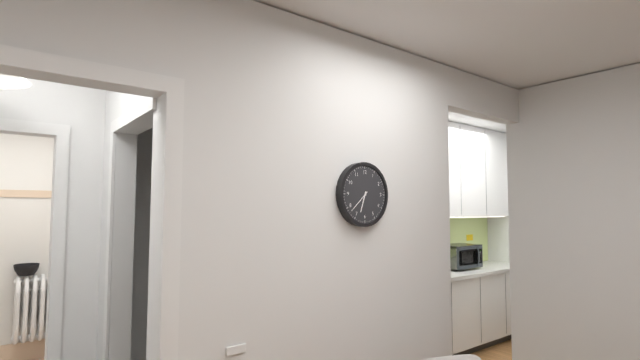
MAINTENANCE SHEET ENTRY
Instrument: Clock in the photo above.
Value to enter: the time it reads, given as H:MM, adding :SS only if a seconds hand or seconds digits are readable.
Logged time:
6:38
